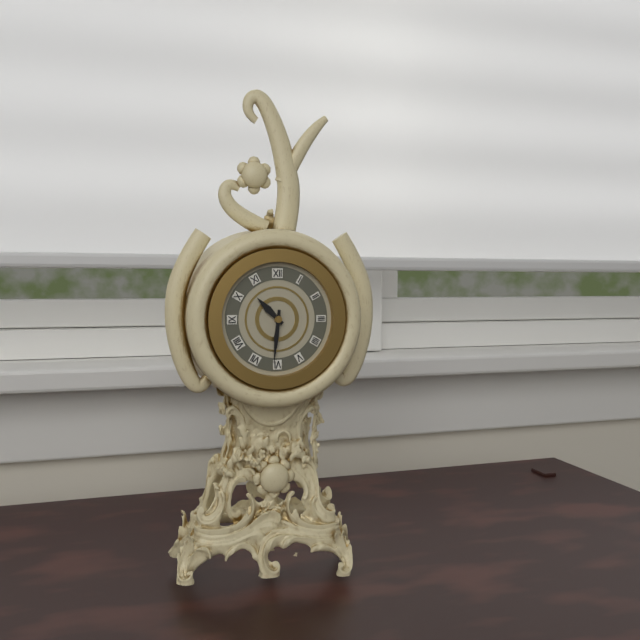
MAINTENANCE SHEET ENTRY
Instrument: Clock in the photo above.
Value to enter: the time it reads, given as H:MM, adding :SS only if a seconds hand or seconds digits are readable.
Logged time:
10:31
